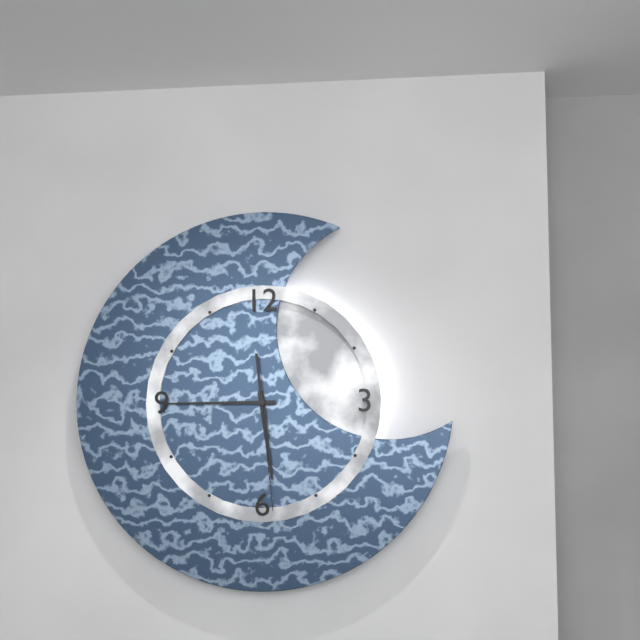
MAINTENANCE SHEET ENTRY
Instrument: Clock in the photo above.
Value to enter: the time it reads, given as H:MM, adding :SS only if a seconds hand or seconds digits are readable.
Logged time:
5:45:29
